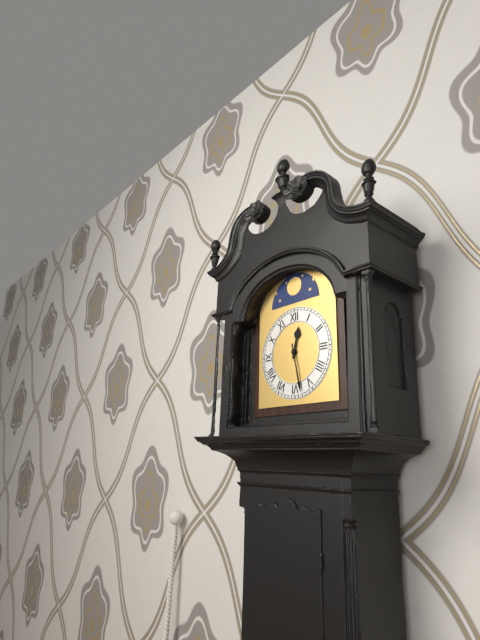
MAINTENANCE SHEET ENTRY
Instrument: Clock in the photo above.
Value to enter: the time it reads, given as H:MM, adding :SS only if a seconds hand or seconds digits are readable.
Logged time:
12:28
